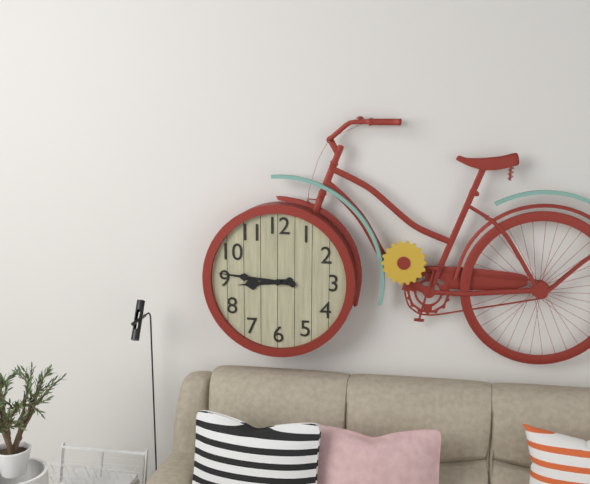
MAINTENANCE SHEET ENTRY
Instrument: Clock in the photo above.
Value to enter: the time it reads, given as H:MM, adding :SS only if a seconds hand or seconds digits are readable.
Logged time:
8:46
